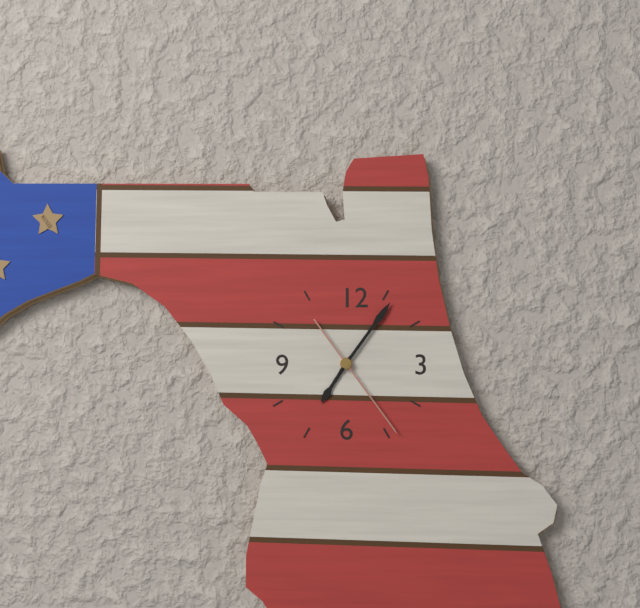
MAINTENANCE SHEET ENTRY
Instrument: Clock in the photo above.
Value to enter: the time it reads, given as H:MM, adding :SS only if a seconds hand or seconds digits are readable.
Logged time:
7:06:24
